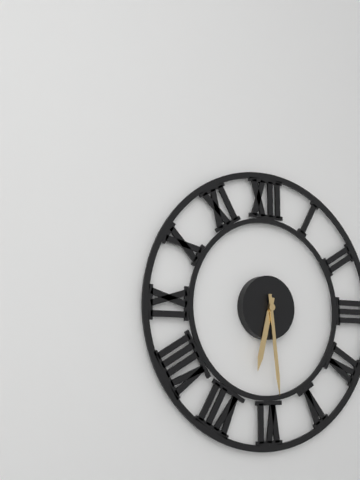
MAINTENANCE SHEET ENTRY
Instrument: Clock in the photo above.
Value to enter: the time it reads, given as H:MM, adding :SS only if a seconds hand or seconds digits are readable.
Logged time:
6:29
